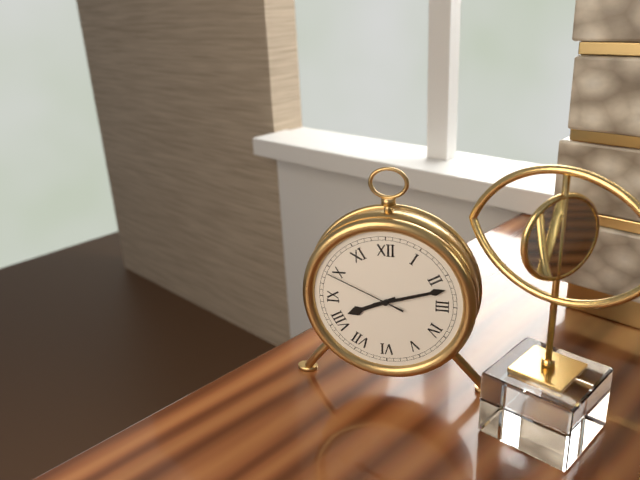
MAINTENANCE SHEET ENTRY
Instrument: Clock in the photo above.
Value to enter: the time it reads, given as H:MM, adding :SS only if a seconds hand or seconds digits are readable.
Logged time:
8:12:49
